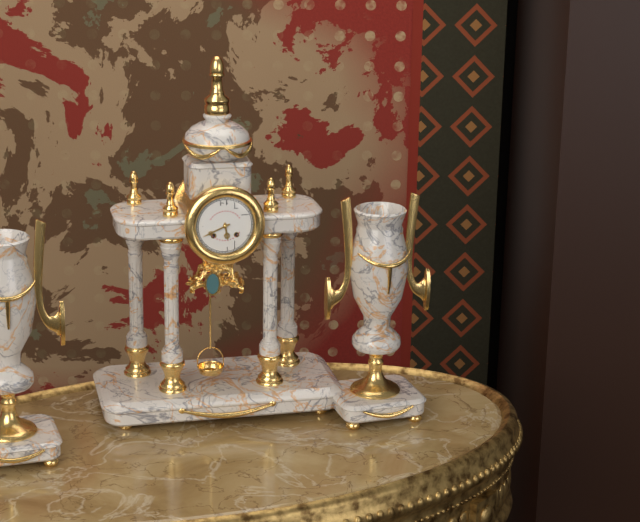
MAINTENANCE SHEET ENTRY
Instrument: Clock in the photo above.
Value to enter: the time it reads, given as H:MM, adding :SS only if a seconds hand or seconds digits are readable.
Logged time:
5:41
